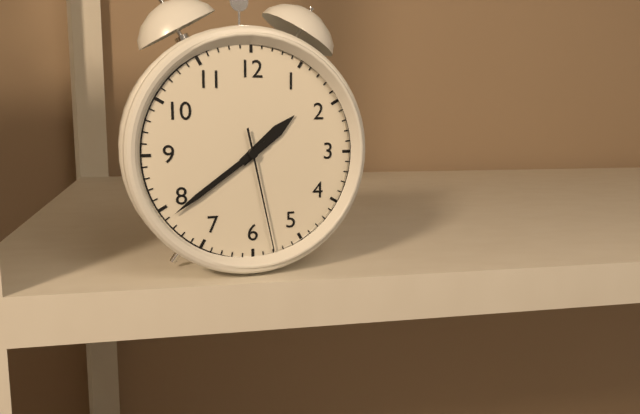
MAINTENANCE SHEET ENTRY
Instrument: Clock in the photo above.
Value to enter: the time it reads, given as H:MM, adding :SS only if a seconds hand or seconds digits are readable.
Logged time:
1:39:28
